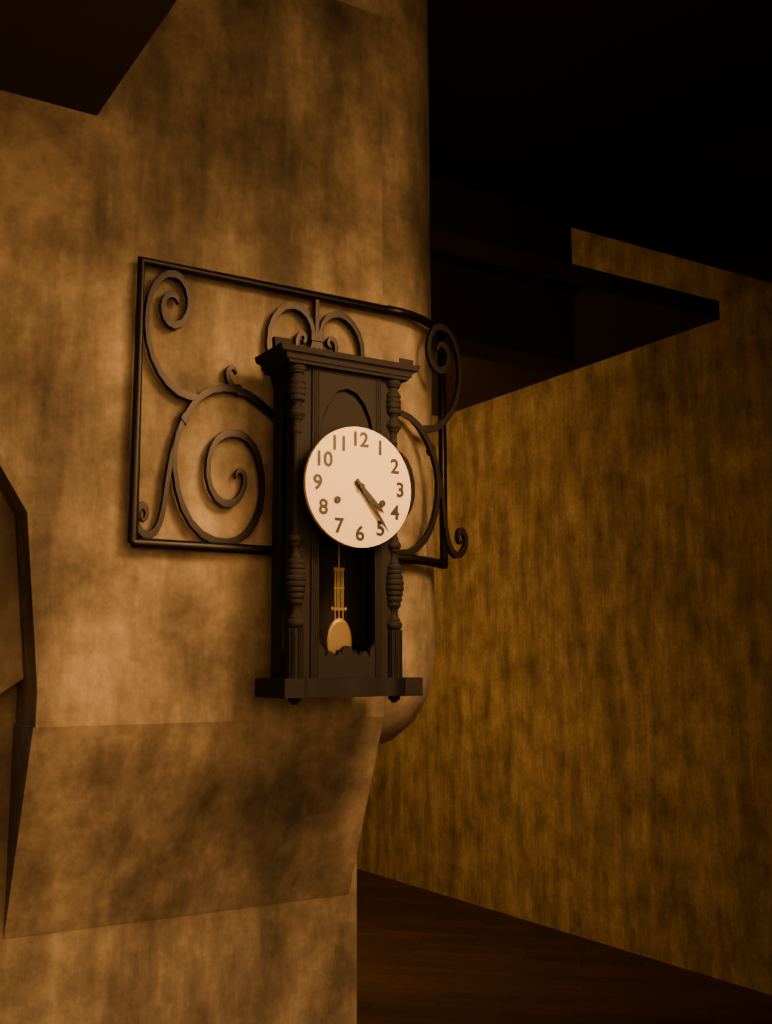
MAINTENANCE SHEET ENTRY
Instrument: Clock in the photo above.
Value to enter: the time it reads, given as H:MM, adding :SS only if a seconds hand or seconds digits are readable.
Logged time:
4:24
